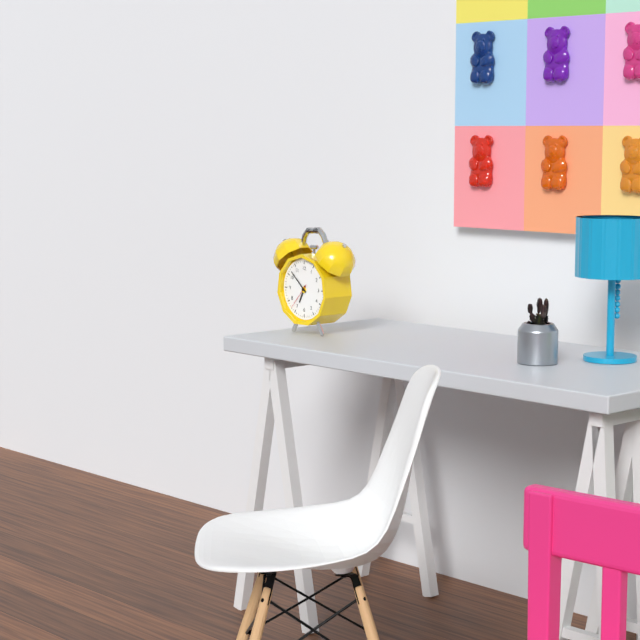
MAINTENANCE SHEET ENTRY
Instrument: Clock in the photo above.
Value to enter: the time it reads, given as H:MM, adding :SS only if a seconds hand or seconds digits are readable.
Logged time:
6:52
